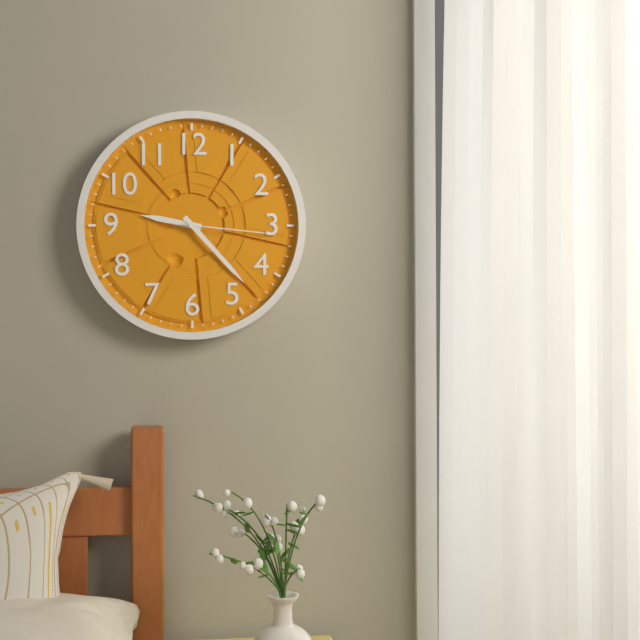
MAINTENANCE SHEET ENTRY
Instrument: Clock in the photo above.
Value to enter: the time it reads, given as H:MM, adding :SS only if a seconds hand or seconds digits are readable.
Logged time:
9:23:16
